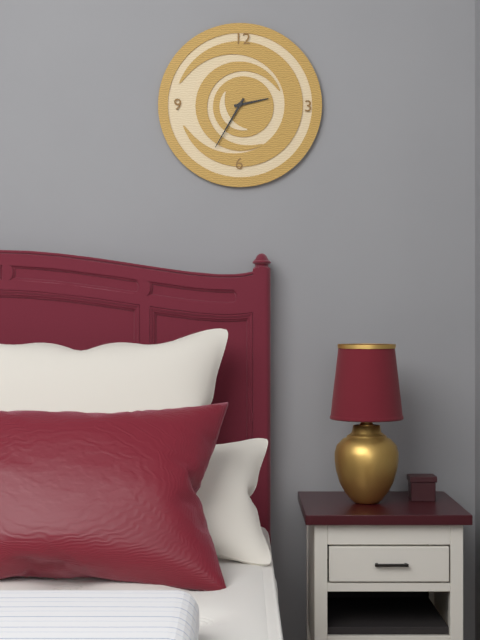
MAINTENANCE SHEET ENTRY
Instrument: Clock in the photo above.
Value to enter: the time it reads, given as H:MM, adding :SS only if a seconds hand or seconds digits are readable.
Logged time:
2:35
